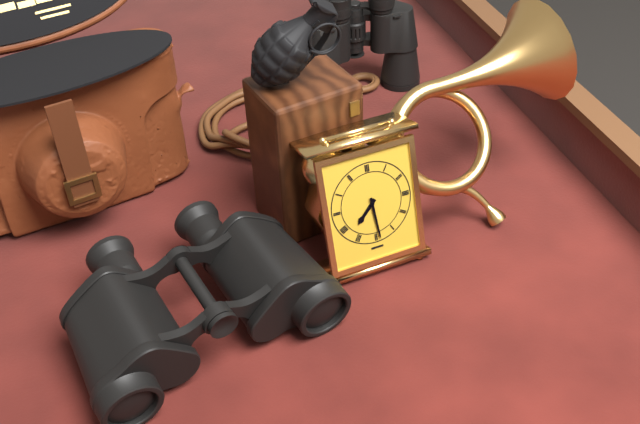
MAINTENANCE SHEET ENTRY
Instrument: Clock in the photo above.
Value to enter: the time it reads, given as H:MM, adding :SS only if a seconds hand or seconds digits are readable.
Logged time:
7:29
